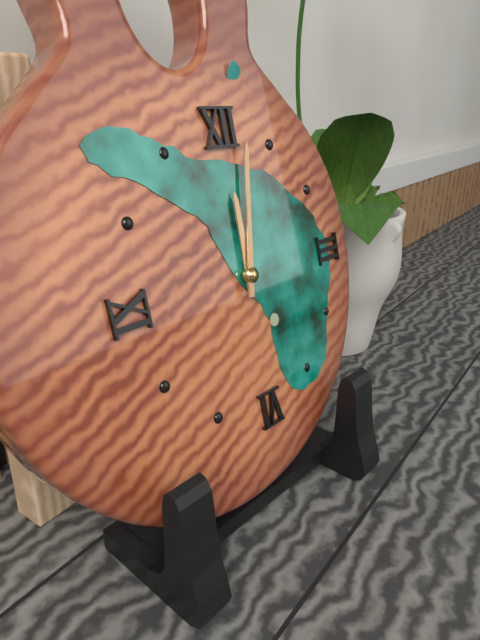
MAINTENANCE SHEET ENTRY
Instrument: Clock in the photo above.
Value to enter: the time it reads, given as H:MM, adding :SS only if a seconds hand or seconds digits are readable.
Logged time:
12:02
